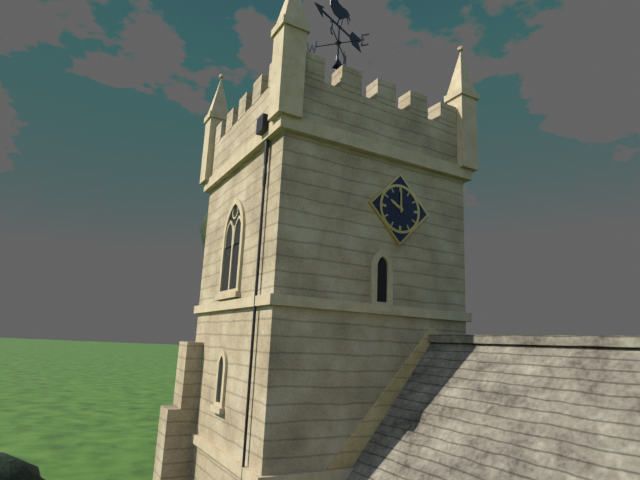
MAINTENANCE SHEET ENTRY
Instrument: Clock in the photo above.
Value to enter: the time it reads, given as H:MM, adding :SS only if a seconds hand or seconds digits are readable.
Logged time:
10:00
